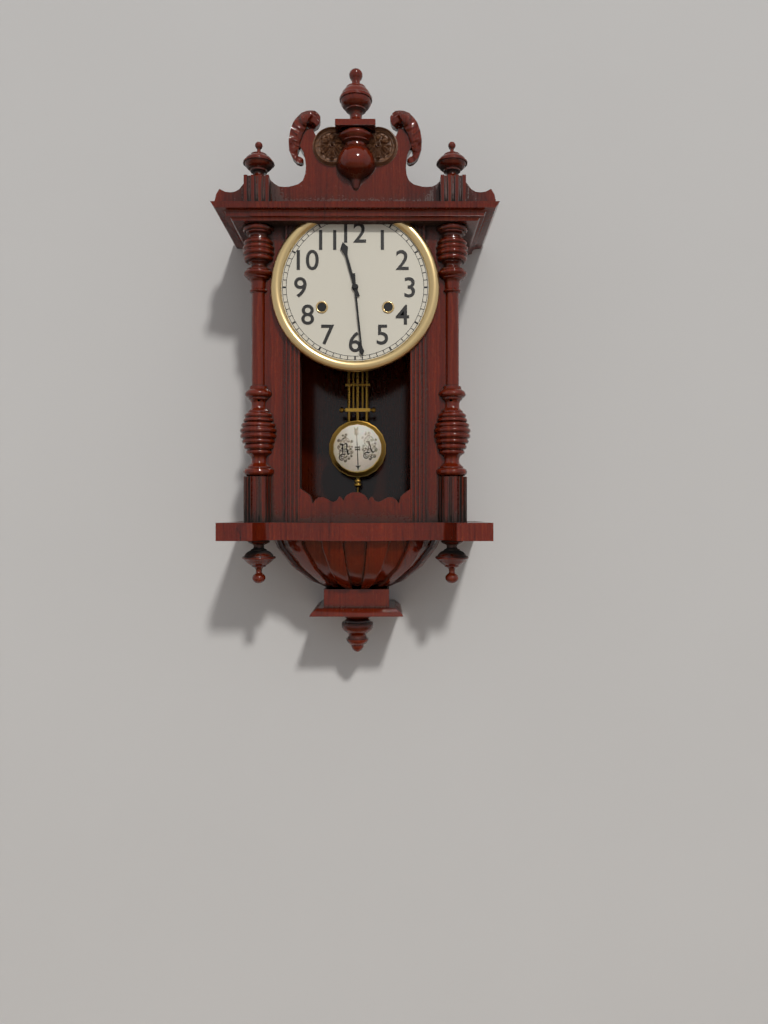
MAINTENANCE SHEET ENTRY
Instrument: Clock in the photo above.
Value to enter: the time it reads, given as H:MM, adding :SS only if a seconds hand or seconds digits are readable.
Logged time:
11:29
